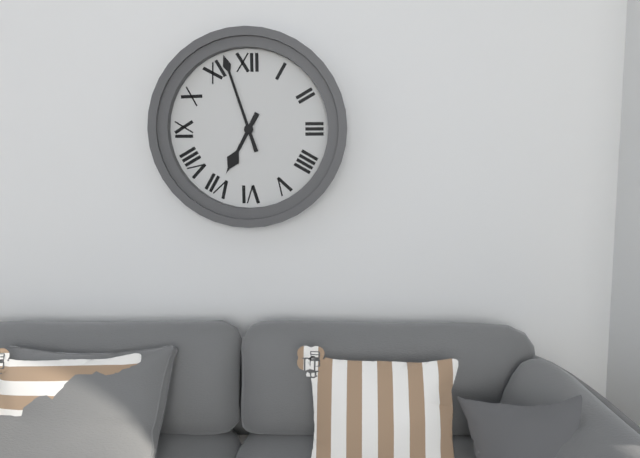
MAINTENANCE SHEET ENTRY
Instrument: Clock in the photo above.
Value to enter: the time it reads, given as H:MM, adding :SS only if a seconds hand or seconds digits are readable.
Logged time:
6:57
